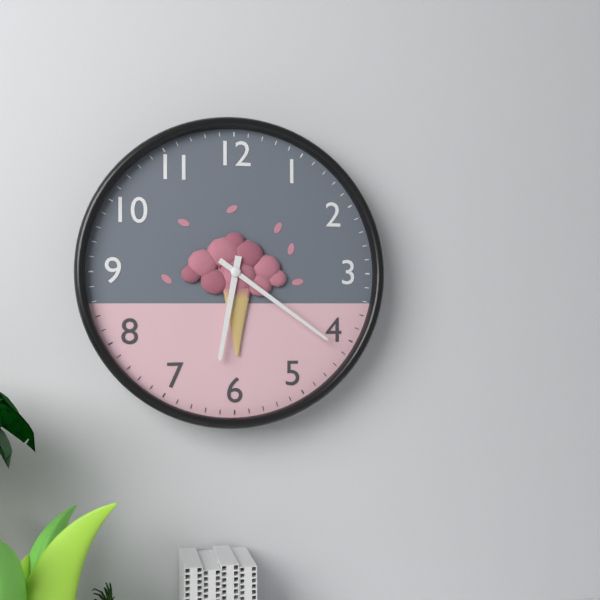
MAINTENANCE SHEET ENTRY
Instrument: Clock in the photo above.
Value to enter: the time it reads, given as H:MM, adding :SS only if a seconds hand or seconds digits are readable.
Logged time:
6:21
